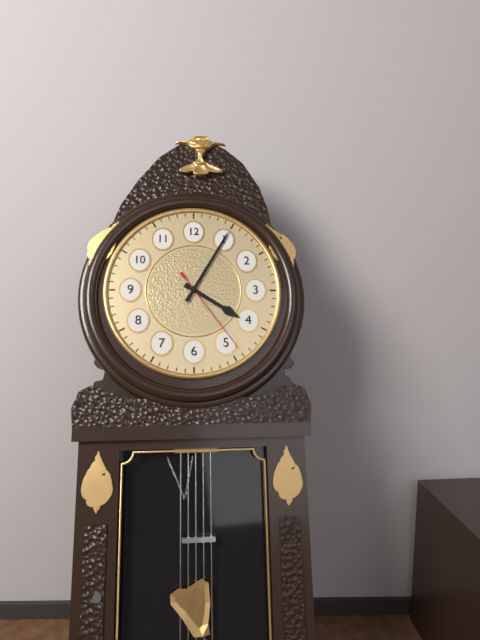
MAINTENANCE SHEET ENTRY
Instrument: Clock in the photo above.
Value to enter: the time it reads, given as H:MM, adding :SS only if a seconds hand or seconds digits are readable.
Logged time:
4:05:24
